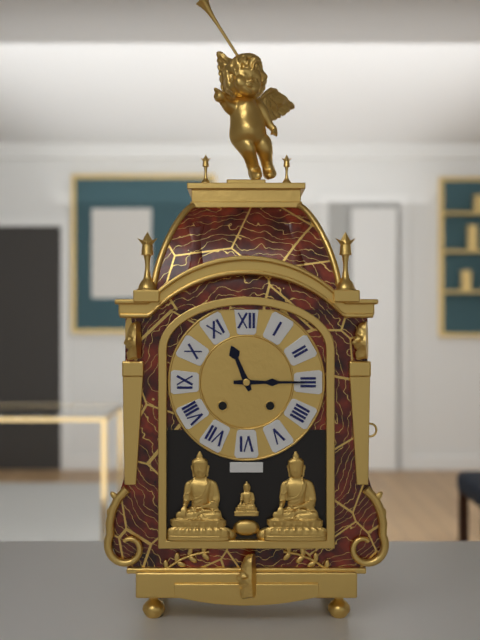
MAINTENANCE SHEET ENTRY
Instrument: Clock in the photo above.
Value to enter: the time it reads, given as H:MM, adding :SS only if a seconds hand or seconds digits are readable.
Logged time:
11:15
